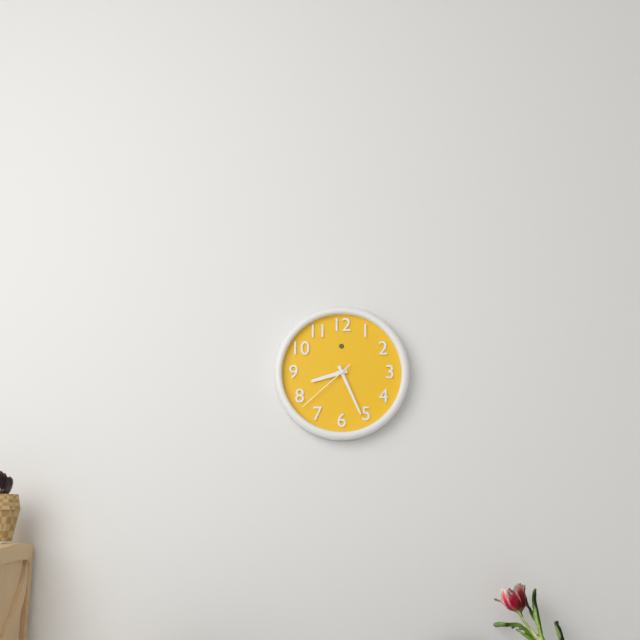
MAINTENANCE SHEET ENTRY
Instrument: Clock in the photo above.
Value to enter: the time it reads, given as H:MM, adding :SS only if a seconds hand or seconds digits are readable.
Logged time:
8:26:38
